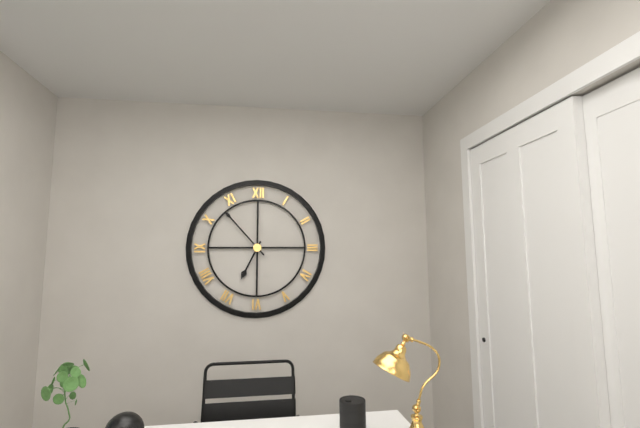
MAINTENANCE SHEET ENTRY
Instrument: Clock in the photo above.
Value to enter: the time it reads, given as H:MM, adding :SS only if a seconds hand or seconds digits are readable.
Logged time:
6:53
